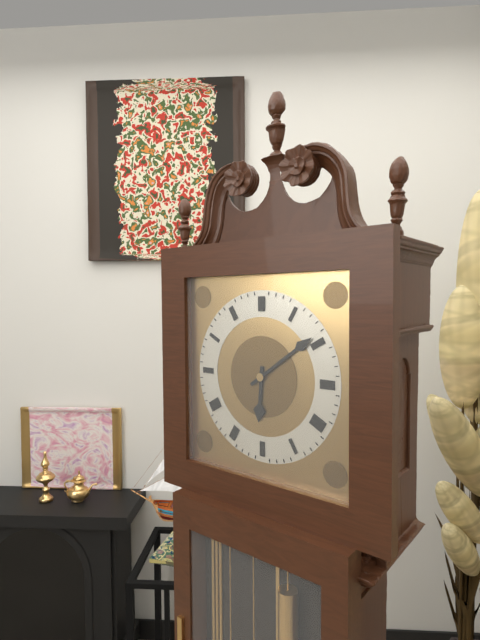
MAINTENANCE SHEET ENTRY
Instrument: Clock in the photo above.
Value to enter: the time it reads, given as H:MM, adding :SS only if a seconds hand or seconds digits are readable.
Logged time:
6:09
